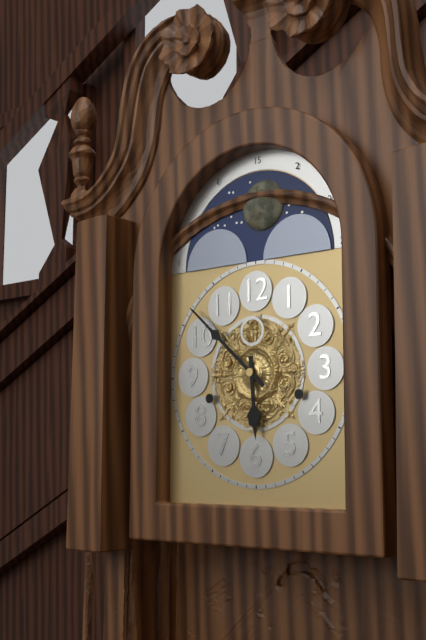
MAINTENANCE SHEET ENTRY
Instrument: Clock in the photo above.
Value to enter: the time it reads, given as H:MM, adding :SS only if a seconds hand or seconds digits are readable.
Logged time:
5:52
